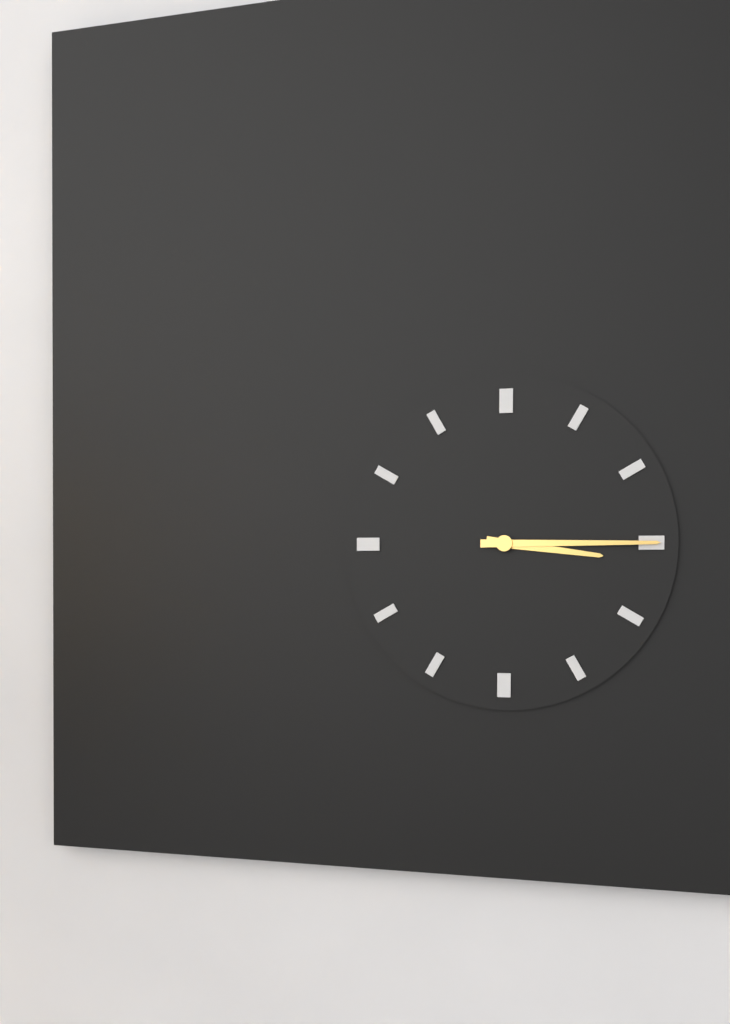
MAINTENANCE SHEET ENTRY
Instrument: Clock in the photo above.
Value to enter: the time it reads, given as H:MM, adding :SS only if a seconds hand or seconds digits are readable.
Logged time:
3:15
